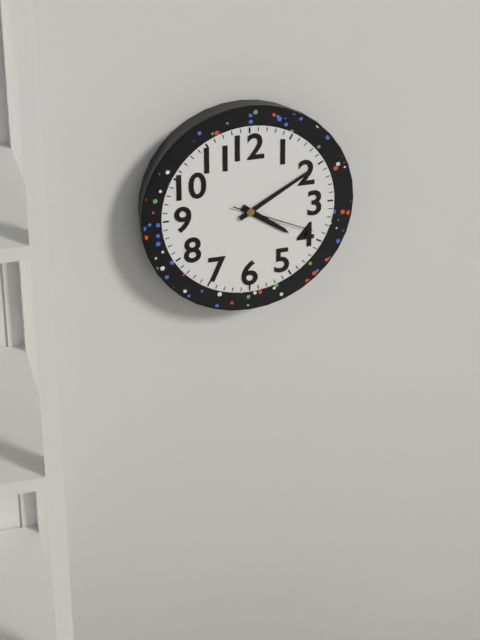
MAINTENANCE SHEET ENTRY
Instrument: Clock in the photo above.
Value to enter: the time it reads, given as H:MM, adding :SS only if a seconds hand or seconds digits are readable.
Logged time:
4:10:19
